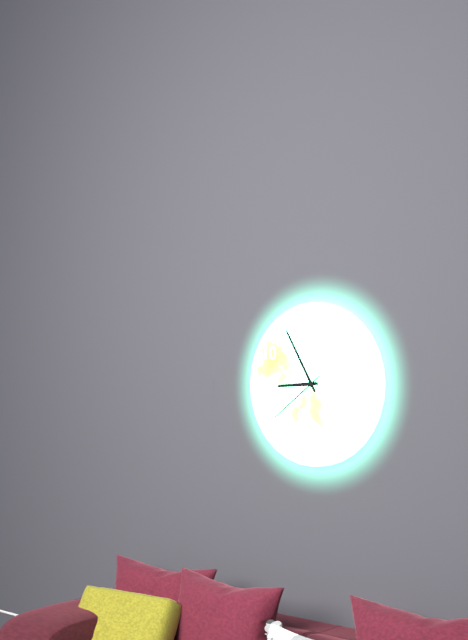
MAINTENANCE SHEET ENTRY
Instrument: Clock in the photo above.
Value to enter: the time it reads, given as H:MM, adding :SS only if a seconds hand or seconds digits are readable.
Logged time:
8:55:39
